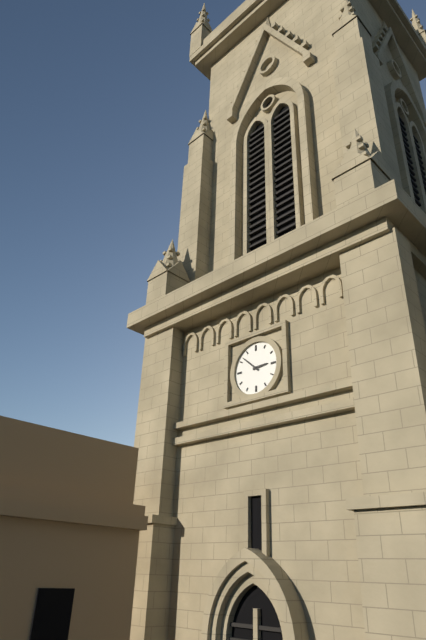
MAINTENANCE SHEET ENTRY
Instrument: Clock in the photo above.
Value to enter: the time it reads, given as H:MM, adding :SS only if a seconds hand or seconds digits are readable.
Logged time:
2:52
